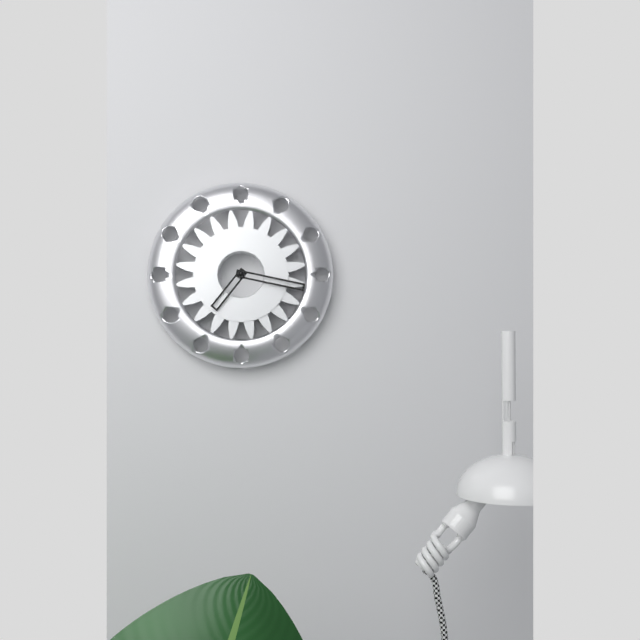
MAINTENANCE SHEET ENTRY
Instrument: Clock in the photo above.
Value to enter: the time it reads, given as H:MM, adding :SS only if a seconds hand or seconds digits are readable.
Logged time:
7:17
